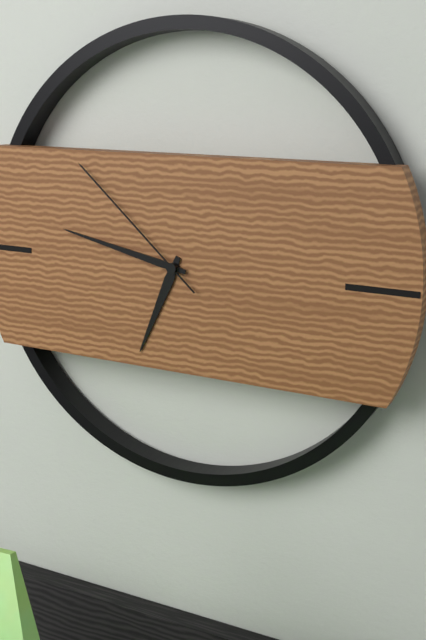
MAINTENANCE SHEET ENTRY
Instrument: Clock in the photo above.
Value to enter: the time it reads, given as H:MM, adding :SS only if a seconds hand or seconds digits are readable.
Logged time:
6:47:52
